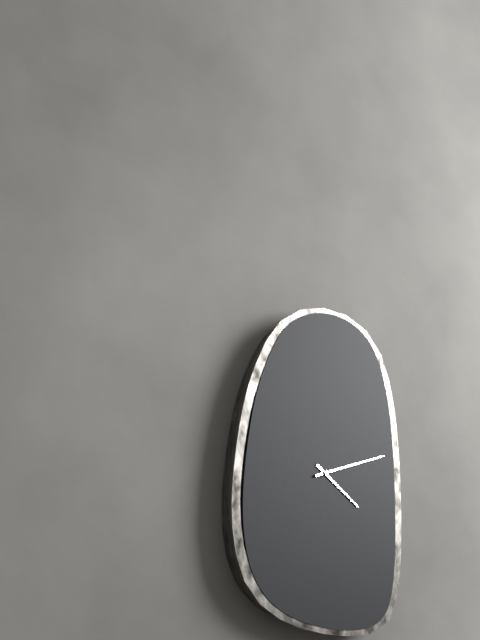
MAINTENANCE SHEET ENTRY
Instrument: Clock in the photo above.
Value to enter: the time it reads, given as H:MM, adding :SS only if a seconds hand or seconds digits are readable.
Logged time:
4:12
